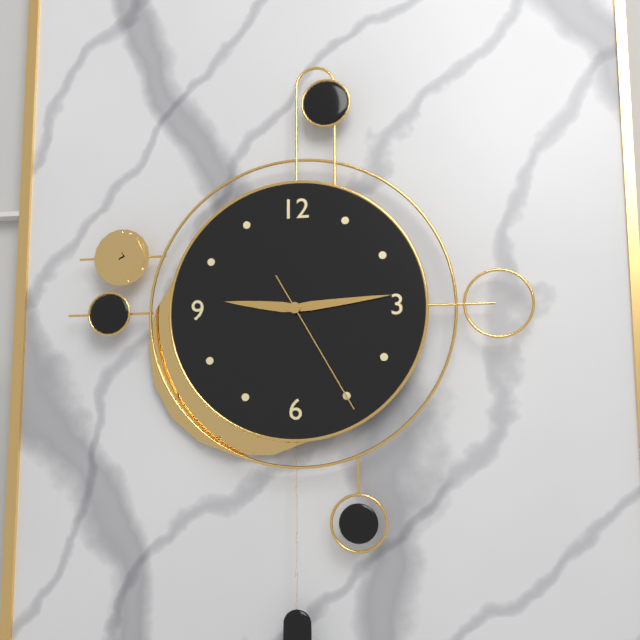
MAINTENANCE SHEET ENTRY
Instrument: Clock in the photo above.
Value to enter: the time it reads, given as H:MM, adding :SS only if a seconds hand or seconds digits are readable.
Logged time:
9:14:25
